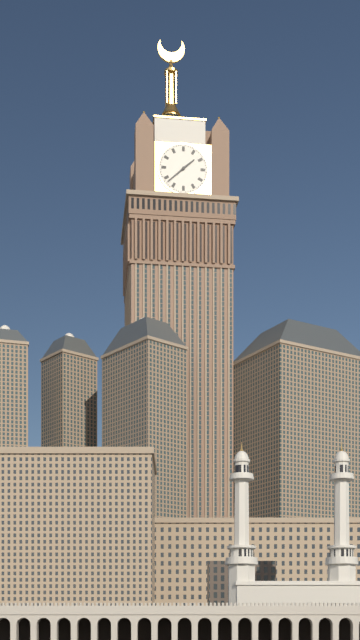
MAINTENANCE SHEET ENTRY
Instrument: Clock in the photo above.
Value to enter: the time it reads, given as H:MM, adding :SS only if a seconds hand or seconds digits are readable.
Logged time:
1:38
